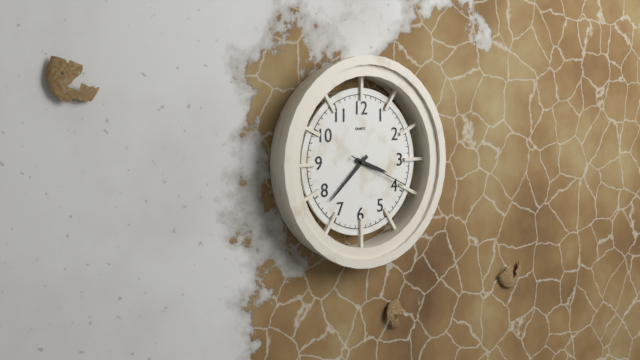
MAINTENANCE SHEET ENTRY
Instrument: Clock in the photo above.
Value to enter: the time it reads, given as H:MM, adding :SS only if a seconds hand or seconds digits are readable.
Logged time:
3:38:19
